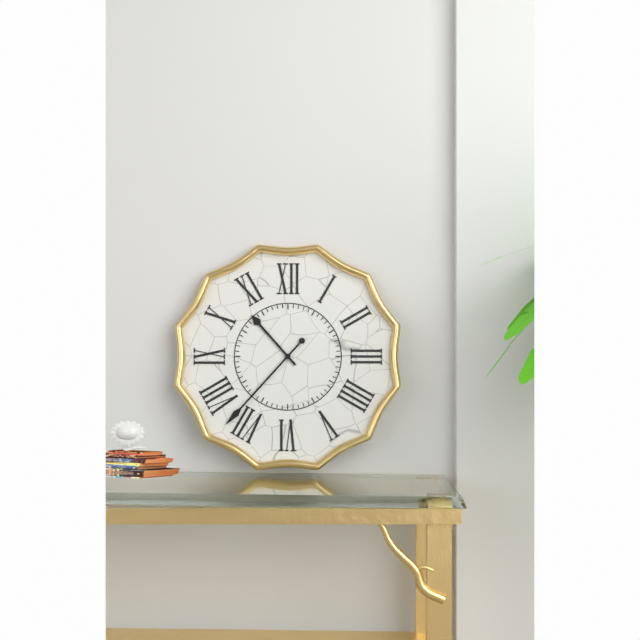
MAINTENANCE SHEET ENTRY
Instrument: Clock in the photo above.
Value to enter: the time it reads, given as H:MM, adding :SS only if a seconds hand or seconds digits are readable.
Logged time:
10:37
